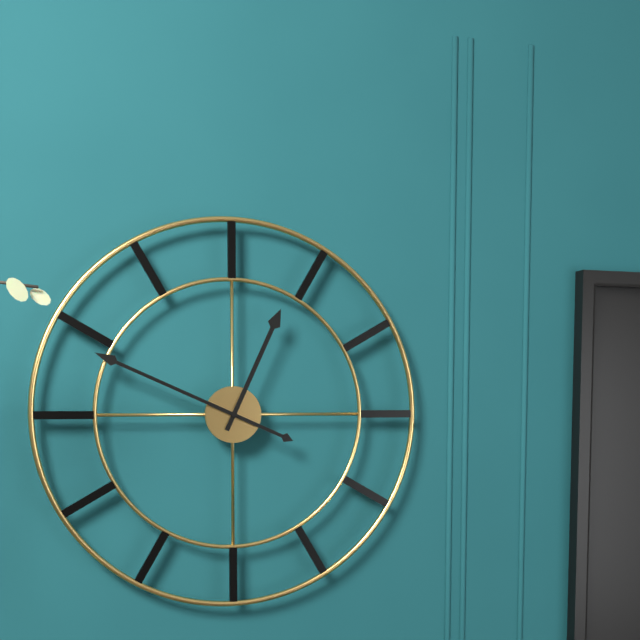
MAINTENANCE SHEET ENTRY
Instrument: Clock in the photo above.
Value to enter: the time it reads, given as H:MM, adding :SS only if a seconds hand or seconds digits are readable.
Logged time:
12:49
